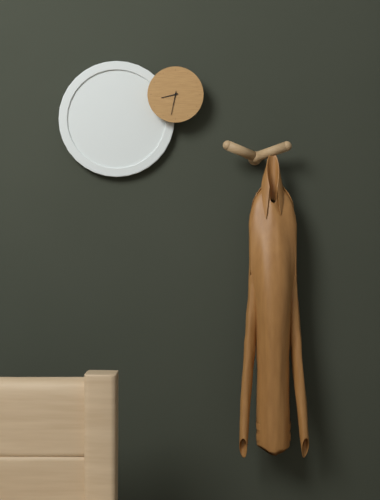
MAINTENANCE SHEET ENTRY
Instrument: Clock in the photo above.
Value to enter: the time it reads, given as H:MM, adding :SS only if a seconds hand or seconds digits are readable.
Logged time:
8:32
